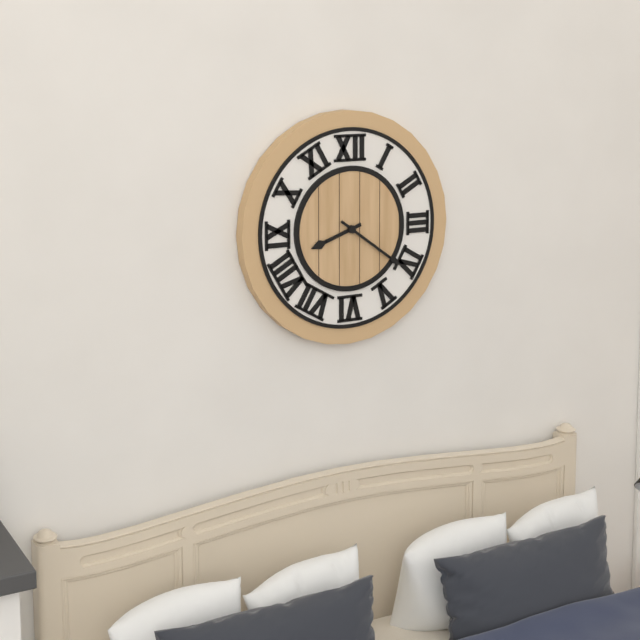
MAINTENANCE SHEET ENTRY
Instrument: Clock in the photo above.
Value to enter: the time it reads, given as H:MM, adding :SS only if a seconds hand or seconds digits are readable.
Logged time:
8:21
